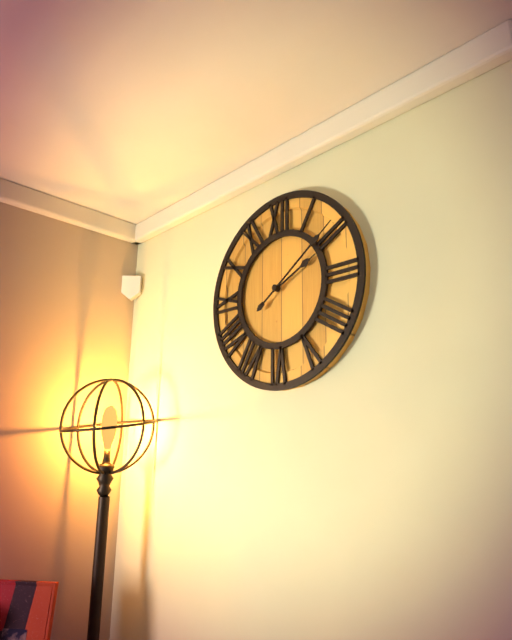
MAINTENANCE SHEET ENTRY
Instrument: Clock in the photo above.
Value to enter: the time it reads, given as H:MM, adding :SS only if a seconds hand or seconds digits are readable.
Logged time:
2:09
